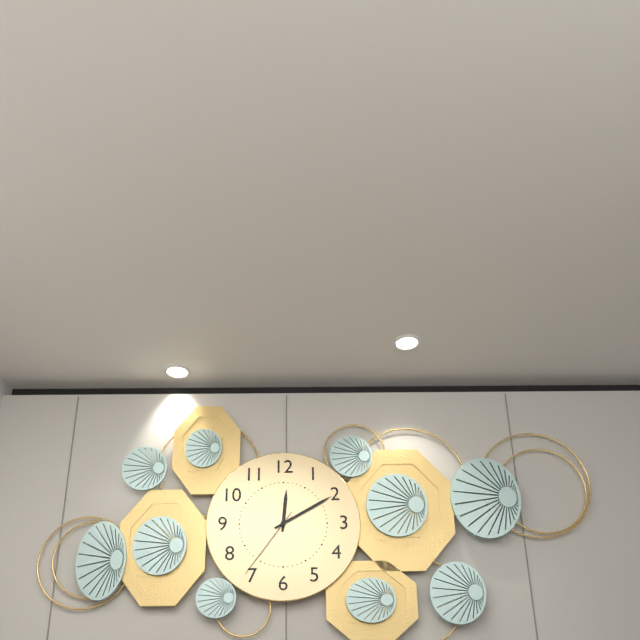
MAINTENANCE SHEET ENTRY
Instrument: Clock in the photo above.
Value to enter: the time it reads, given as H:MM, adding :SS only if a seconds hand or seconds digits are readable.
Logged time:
12:10:36
